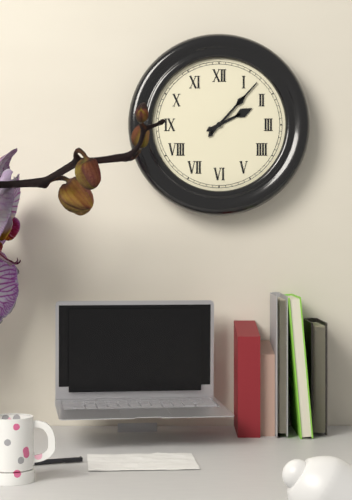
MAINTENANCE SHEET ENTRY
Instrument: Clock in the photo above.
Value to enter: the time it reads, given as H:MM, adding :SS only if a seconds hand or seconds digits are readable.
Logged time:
2:07
